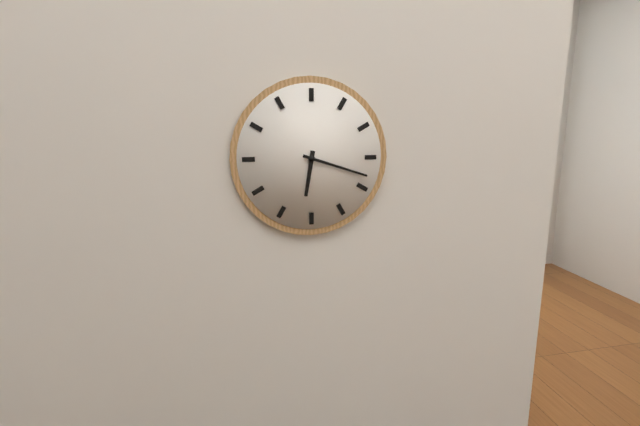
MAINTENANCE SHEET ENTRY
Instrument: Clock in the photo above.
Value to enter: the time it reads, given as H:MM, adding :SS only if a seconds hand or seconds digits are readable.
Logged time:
6:18
